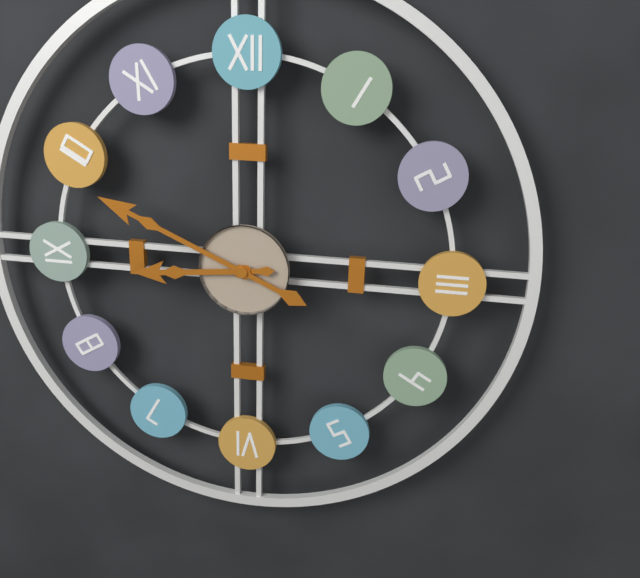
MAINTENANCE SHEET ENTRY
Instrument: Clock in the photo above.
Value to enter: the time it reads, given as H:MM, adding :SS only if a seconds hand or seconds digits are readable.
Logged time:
8:49
